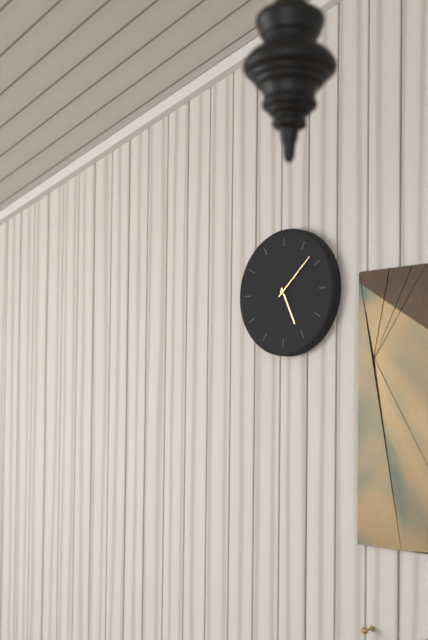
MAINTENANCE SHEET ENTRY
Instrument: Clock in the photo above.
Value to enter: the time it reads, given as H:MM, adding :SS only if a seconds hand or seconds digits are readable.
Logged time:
5:08
